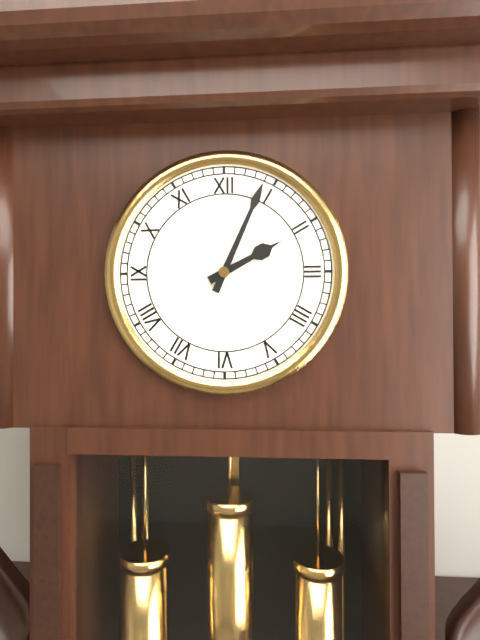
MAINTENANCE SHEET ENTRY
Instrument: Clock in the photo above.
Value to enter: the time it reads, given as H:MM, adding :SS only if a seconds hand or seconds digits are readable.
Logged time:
2:04
